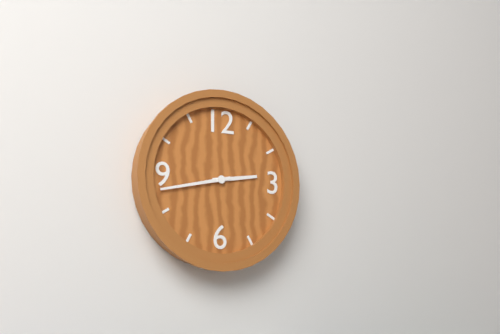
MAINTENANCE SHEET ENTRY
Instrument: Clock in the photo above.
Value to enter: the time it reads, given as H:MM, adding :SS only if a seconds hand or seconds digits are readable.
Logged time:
2:43
